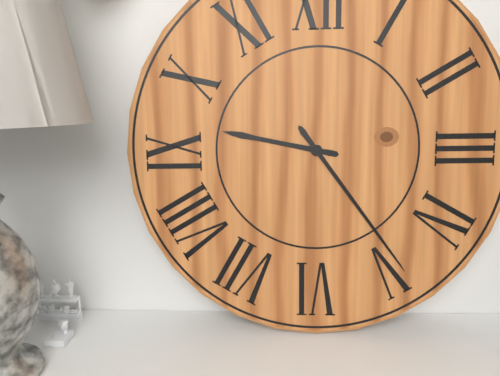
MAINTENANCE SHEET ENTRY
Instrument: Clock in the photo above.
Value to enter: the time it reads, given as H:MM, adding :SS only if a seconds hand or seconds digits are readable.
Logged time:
9:24
